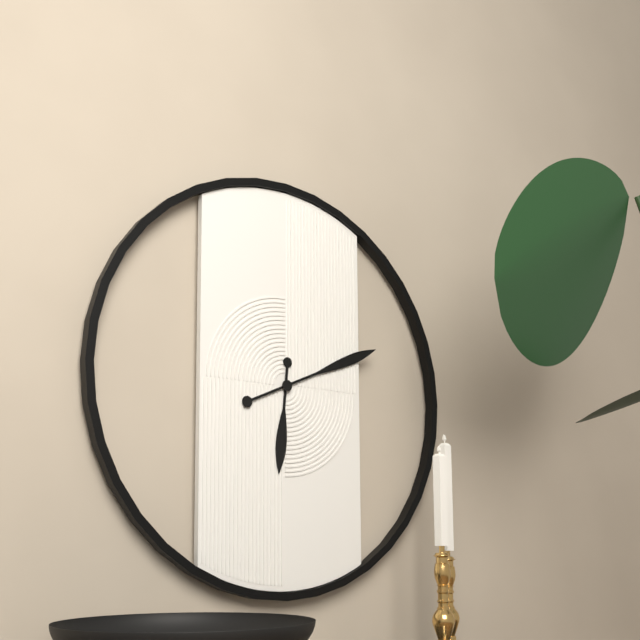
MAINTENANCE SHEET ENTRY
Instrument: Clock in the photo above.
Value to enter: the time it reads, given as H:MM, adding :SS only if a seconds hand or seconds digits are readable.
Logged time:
6:11
